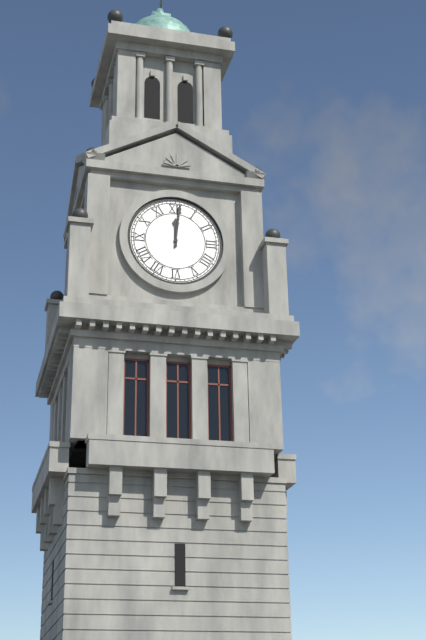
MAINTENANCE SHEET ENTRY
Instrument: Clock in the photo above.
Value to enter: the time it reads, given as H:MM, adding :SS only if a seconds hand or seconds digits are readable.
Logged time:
12:01
